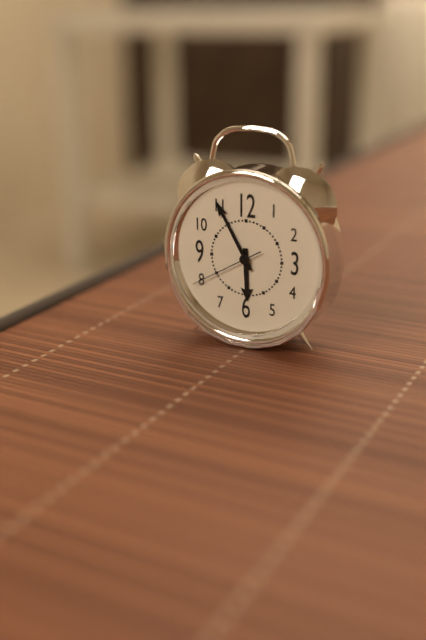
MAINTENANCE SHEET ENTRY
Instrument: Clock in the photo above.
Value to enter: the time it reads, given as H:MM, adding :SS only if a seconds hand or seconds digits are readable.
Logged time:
5:55:40
